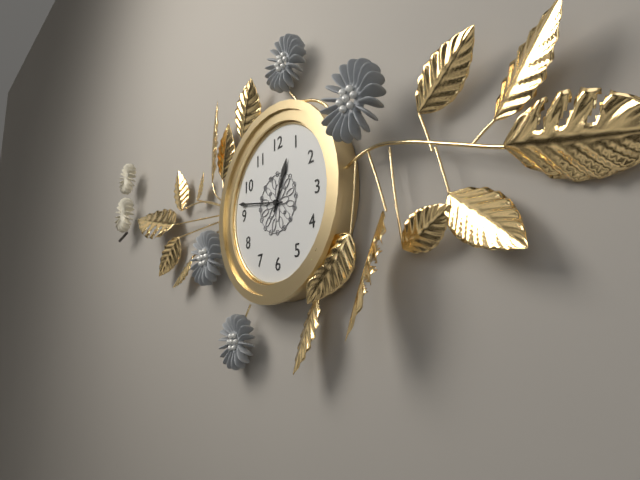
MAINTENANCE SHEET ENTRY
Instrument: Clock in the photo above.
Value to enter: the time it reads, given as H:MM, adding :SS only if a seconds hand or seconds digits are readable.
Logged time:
12:47
